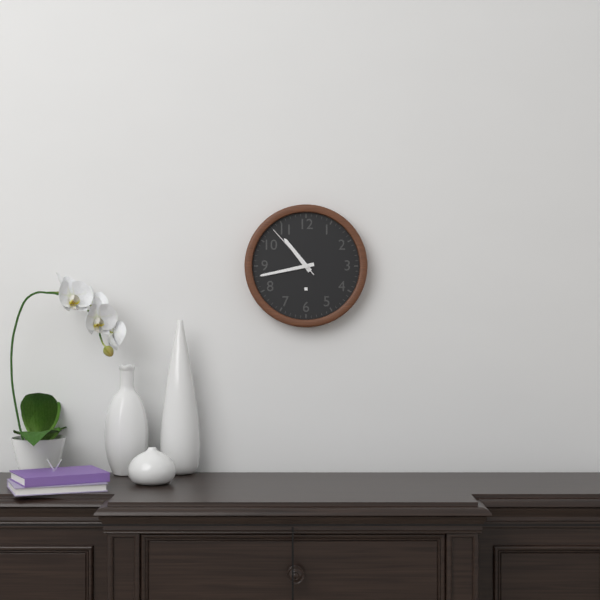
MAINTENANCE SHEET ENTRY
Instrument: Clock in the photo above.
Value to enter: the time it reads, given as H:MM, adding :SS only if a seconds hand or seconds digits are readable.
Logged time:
10:43:53
